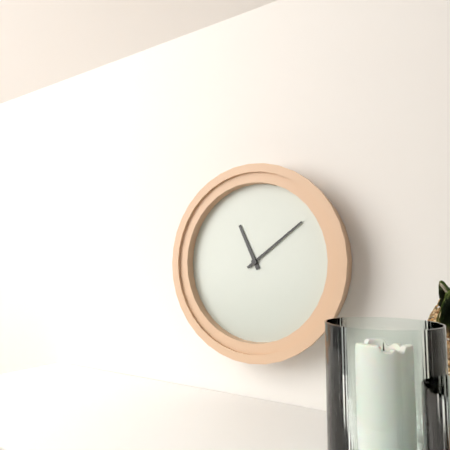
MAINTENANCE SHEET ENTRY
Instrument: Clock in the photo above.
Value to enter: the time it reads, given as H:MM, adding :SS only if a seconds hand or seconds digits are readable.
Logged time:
11:09
